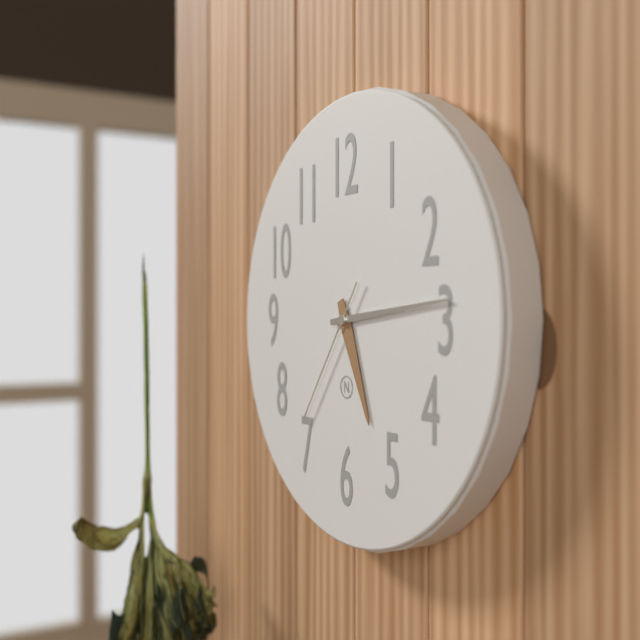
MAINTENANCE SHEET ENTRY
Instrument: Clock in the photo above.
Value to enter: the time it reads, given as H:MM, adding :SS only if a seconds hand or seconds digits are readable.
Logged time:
5:14:36
